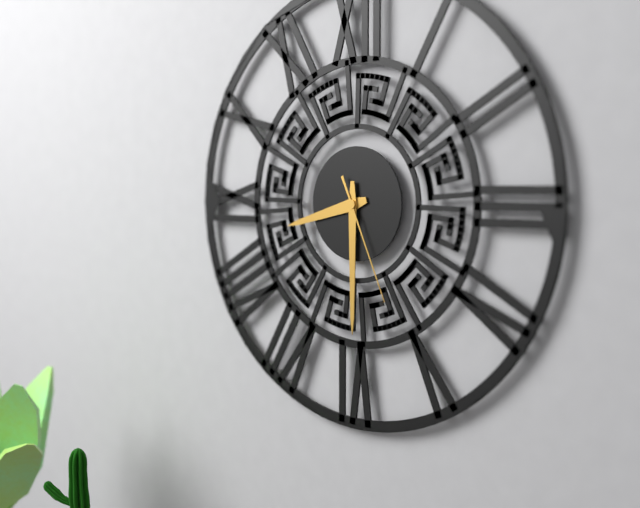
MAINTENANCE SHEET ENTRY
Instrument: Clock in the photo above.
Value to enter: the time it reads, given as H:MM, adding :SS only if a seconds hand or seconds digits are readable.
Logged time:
8:30:26
